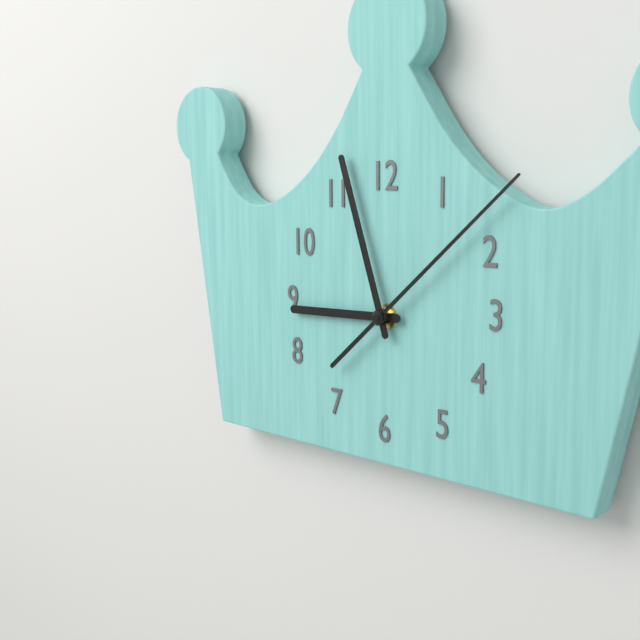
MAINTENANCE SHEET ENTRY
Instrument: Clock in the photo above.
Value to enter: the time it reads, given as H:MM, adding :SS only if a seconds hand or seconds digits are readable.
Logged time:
8:57:08
